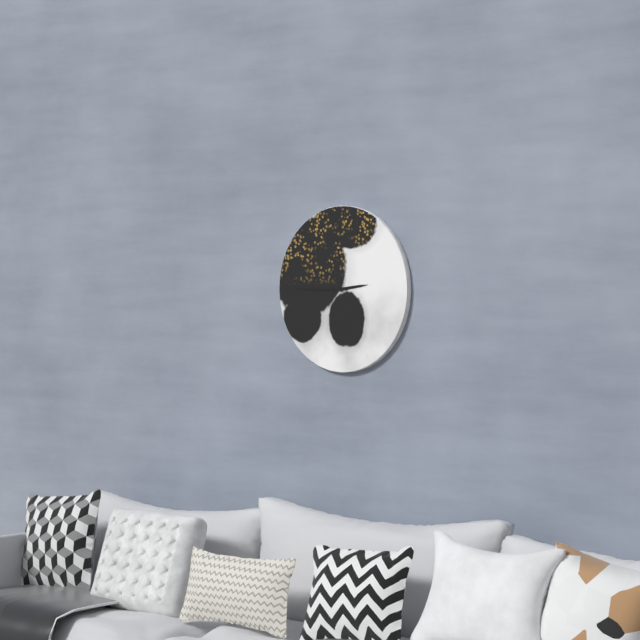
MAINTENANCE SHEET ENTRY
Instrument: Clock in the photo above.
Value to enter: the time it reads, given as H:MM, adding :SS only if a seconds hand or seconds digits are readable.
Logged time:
2:45
